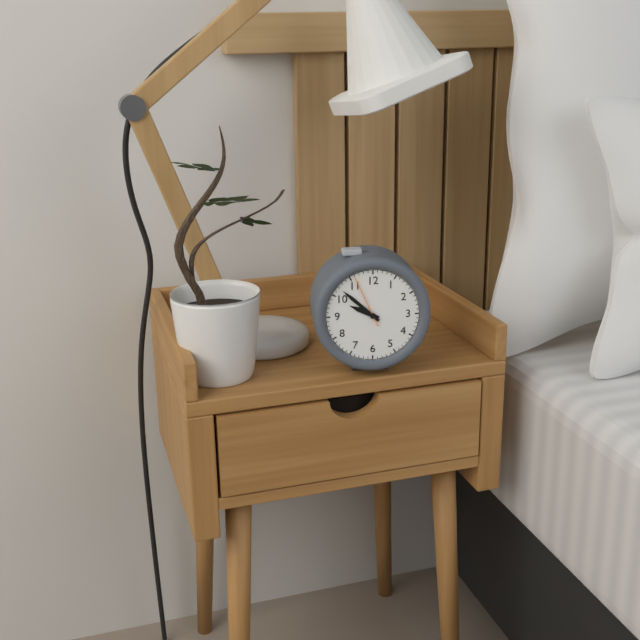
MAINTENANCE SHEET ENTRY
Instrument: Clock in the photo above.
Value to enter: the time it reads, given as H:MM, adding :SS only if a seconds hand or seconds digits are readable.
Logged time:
9:52
